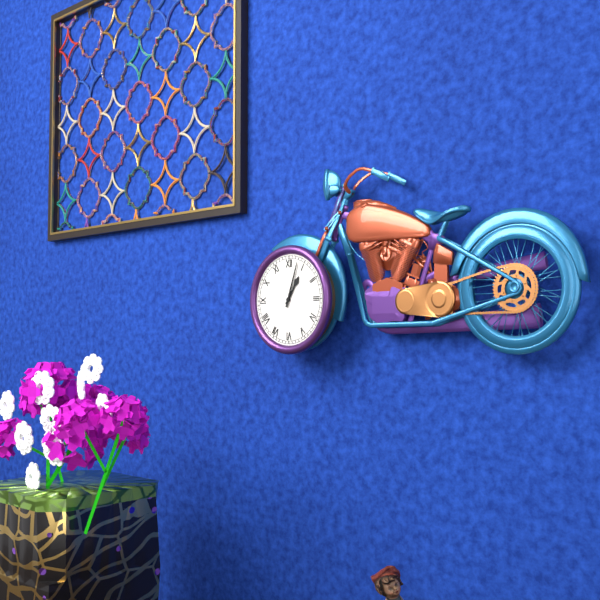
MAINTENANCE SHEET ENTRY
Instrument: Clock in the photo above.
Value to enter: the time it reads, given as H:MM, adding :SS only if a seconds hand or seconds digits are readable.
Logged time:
1:03
